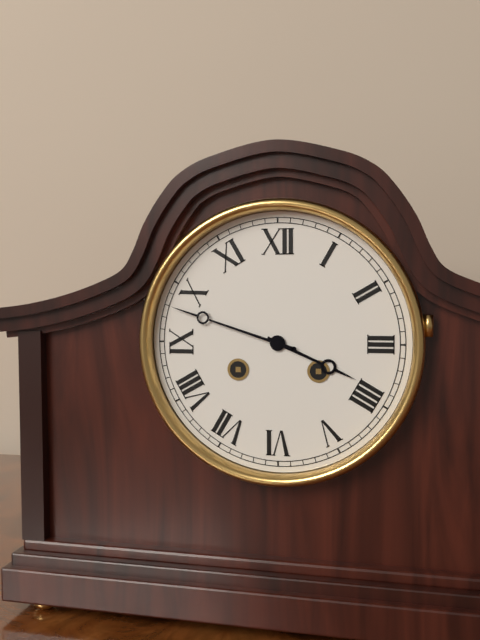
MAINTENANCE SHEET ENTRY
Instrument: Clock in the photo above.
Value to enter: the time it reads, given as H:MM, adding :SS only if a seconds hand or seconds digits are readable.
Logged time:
3:48
